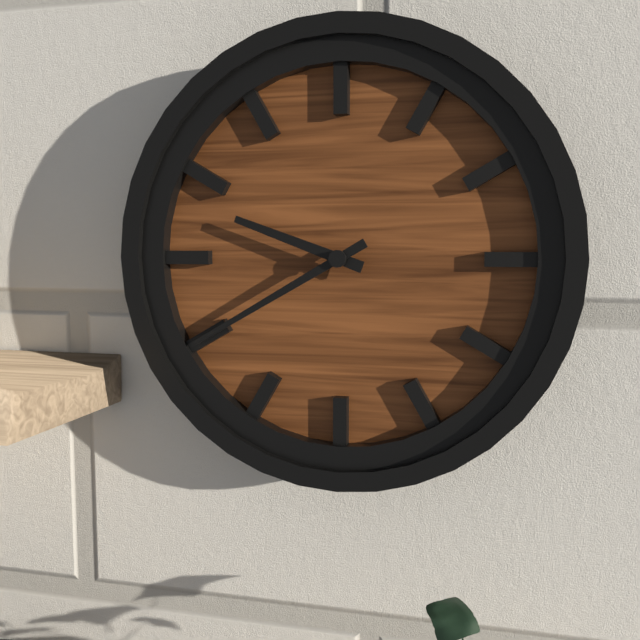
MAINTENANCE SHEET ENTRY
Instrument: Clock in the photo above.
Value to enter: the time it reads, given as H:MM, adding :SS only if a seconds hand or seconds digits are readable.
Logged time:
9:40
